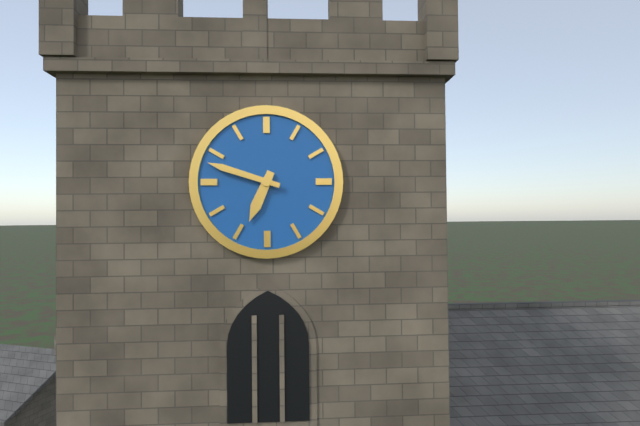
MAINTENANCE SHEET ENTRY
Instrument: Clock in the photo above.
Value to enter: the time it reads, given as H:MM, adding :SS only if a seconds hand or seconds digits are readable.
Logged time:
6:48
